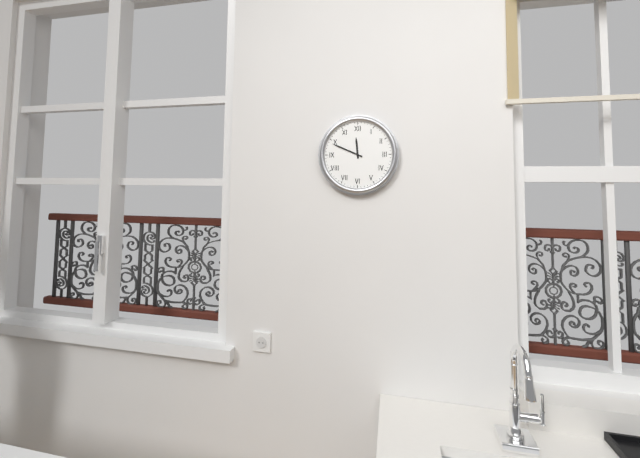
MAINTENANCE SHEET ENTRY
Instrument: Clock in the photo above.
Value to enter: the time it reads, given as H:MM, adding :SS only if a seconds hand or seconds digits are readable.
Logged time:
11:49
